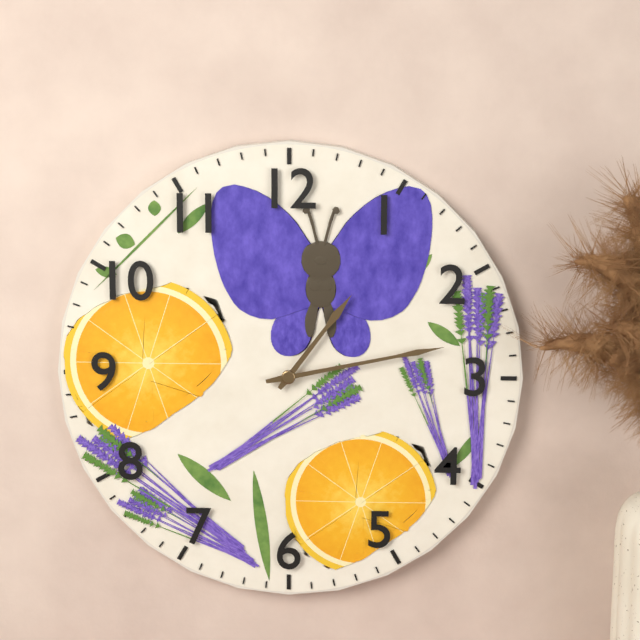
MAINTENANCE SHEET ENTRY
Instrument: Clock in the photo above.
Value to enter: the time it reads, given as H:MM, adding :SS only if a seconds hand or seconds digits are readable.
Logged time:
1:13
